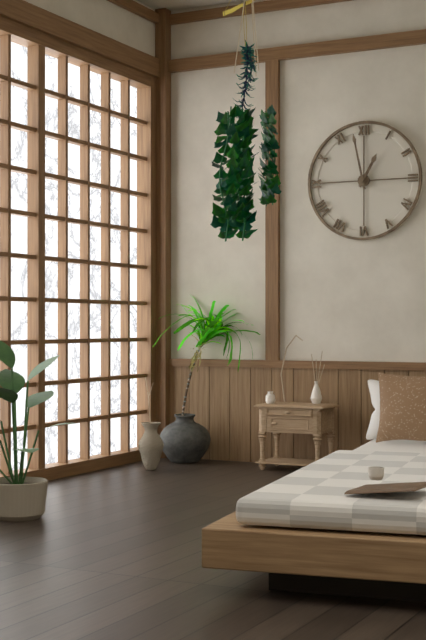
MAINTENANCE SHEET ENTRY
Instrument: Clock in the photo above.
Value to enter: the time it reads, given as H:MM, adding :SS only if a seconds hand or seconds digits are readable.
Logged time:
12:58
